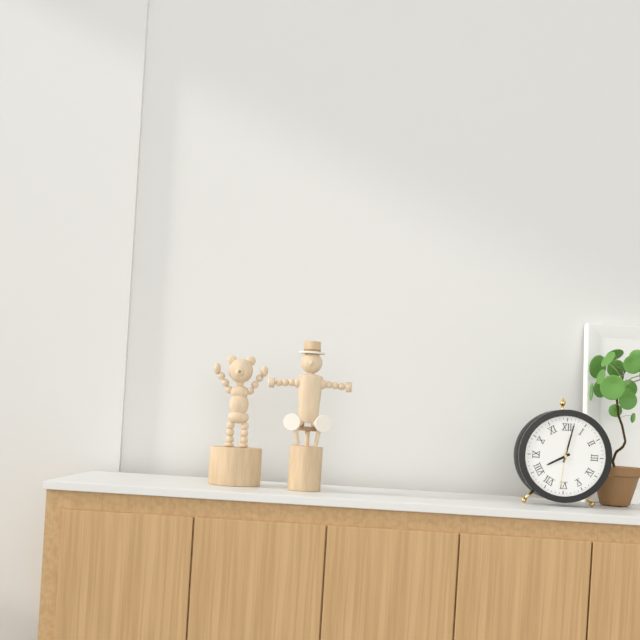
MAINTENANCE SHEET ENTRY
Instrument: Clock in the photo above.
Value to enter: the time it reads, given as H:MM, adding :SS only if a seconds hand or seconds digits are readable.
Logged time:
8:02
